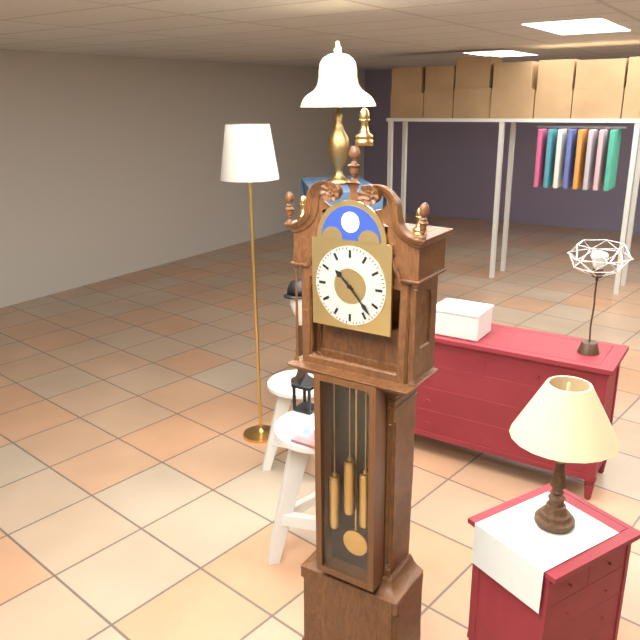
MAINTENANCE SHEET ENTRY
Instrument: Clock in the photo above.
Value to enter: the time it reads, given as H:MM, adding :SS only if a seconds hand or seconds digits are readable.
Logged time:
10:23
